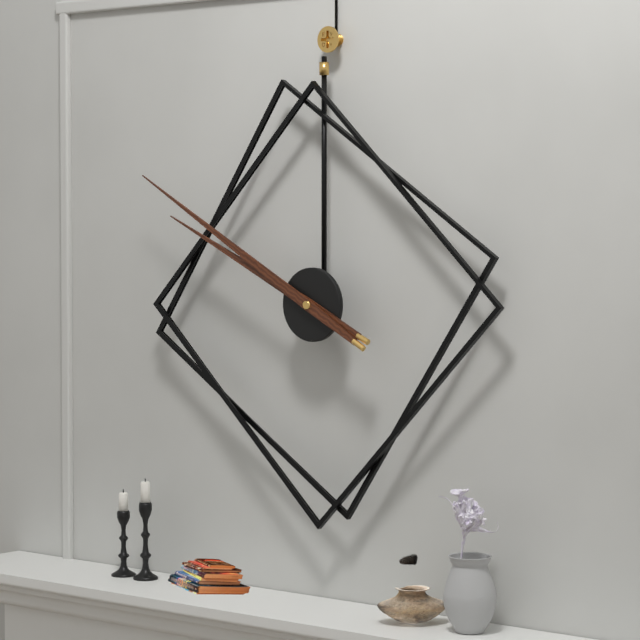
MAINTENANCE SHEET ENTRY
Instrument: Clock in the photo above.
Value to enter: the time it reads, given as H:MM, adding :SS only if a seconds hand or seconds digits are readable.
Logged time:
9:50
